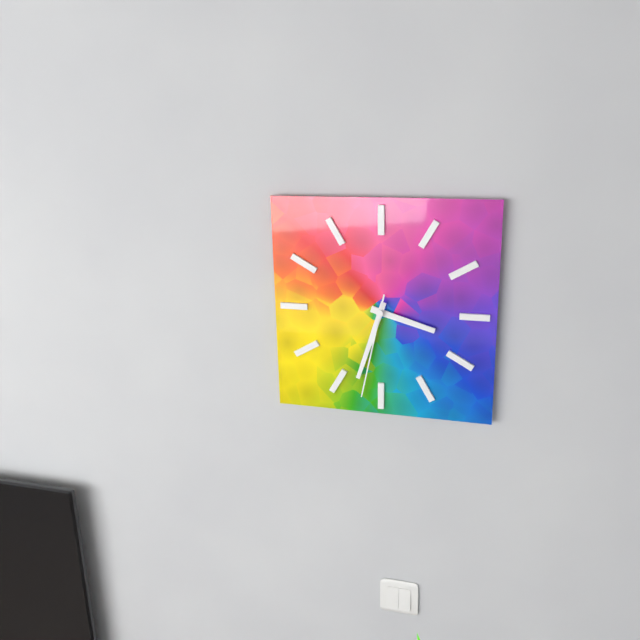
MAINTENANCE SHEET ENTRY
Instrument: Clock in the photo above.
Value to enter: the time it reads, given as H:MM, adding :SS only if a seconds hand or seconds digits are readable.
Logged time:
3:33:32
